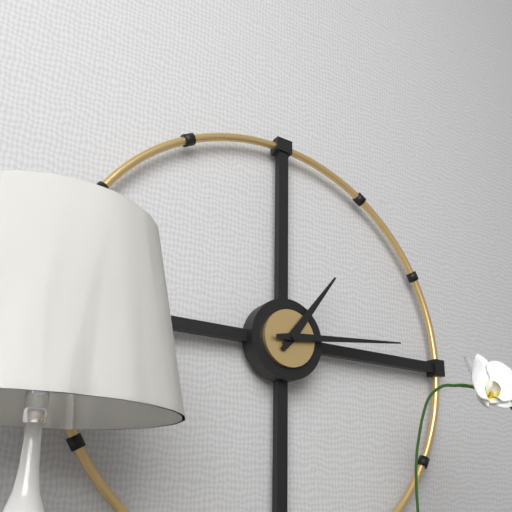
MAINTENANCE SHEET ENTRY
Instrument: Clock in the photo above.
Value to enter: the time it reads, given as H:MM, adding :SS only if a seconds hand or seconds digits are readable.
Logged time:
1:14
